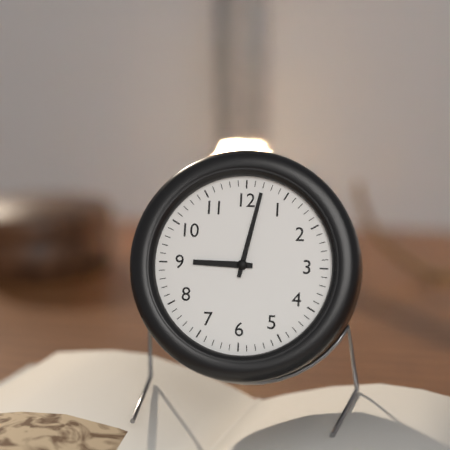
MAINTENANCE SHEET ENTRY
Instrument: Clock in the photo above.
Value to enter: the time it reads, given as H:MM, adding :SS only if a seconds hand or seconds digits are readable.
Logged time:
9:02
